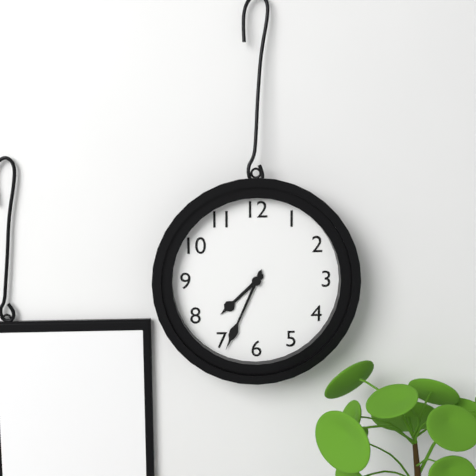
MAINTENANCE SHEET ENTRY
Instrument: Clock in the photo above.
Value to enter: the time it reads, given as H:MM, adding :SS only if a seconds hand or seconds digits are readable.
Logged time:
7:34
